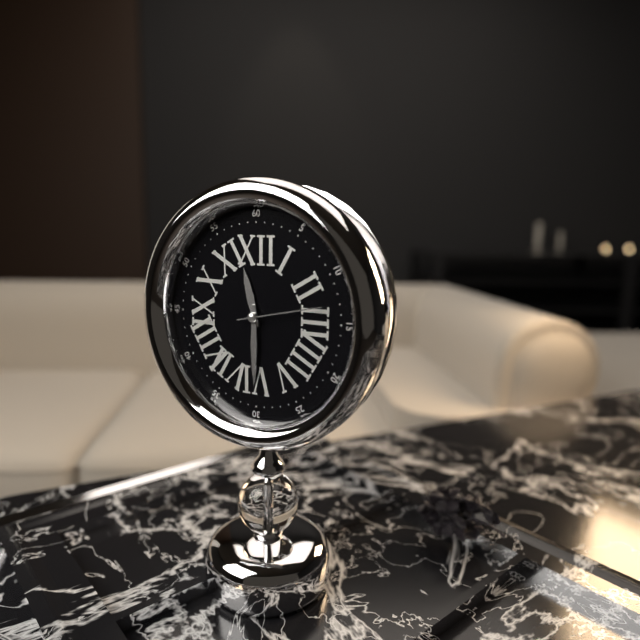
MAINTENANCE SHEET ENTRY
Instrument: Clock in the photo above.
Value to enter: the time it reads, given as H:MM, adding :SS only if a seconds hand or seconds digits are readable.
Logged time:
11:30:13
